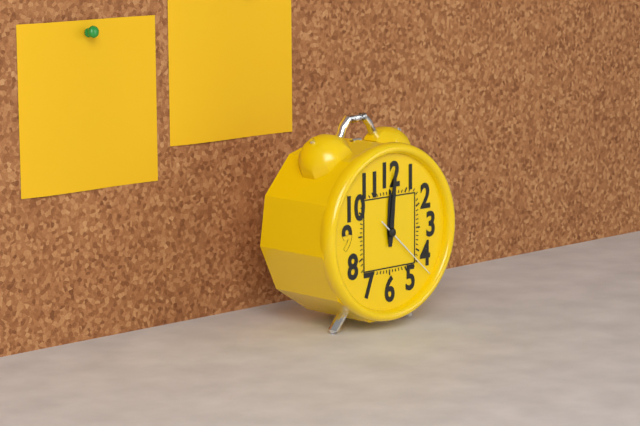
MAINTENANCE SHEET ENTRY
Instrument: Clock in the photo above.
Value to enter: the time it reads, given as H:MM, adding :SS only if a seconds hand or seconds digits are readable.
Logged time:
12:01:22
